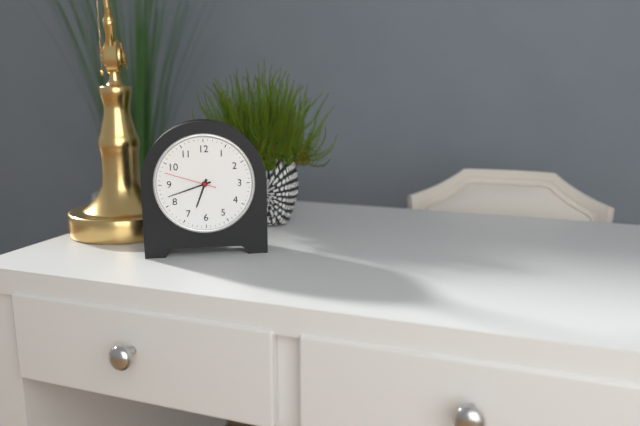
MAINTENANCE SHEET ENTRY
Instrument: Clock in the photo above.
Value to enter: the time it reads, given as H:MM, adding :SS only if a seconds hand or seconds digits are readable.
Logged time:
6:42:48
